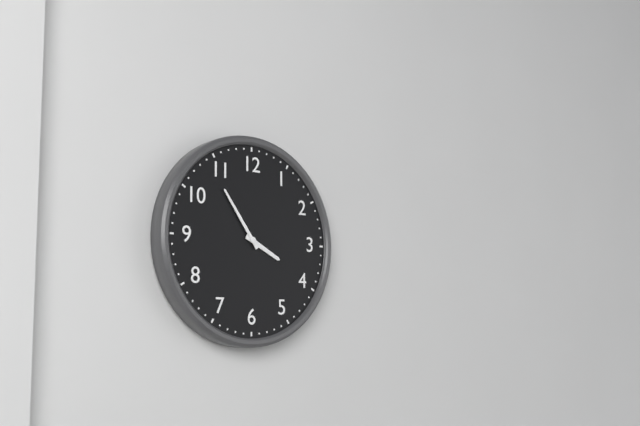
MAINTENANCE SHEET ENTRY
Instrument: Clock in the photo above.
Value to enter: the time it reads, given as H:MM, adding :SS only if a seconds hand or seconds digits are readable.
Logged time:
3:54
